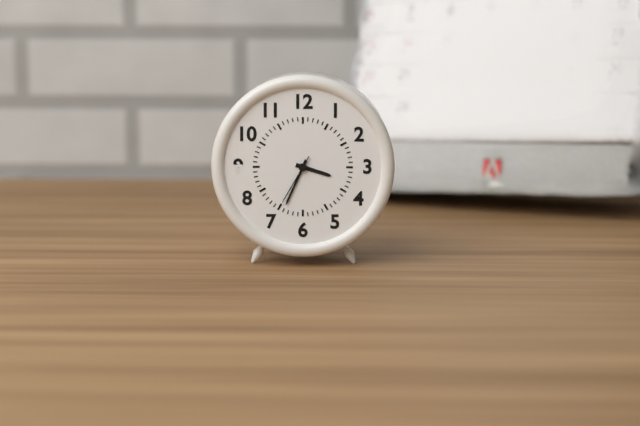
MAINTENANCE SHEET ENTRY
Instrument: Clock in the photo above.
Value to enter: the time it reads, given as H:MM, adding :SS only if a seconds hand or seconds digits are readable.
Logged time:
3:34:35
